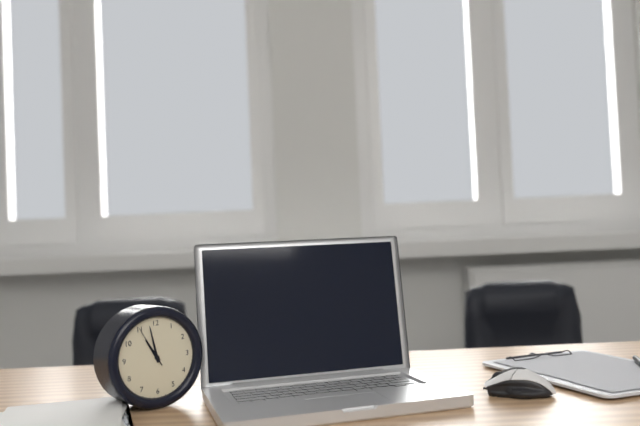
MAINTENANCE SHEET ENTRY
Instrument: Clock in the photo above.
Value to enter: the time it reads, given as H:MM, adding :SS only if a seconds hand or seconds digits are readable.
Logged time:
10:58
